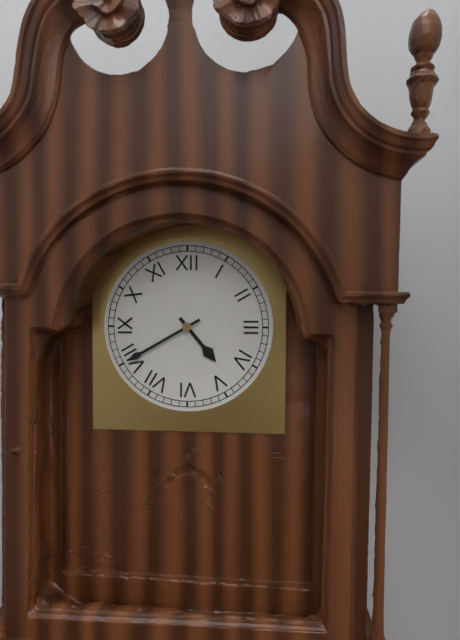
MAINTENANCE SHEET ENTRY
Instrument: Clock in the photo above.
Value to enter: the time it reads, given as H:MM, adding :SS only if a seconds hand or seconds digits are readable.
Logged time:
4:40
